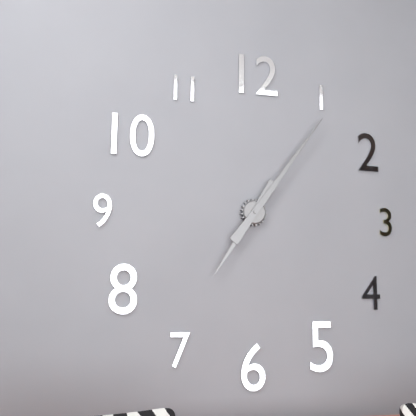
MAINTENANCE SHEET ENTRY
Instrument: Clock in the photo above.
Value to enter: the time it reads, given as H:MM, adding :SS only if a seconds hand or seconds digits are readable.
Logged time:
7:06
